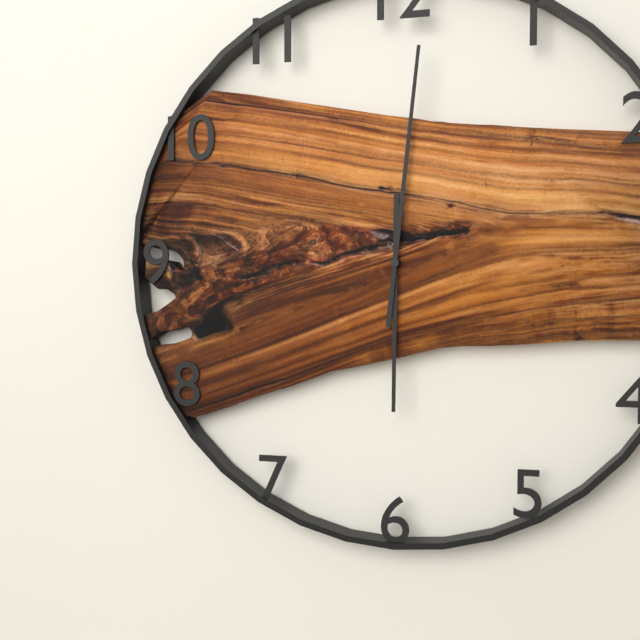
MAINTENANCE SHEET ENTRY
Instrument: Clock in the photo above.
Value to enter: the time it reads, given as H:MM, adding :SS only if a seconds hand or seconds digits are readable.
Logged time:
6:01
